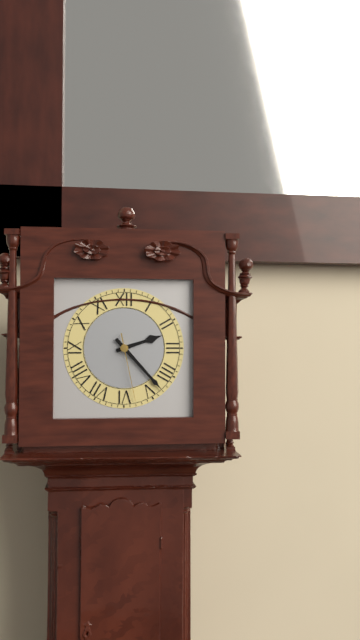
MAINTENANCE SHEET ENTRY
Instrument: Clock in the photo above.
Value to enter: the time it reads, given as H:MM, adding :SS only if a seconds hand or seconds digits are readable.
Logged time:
2:23:28
